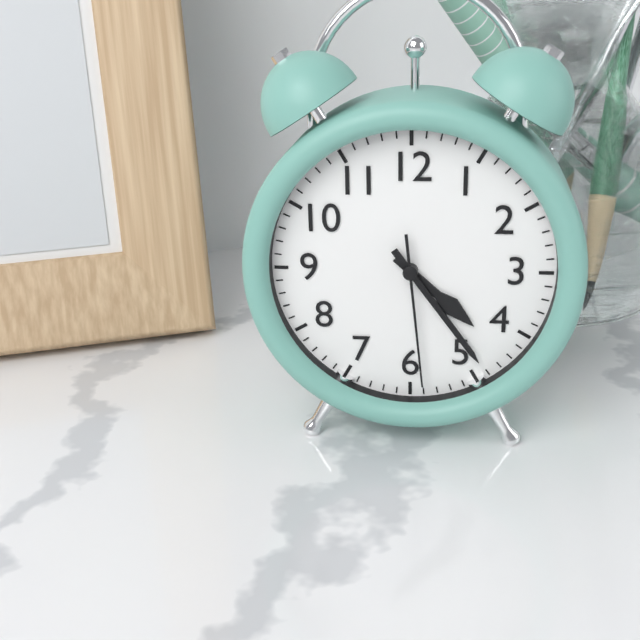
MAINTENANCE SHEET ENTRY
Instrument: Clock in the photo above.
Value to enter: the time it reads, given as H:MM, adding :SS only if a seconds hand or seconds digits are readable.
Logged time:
4:24:29
